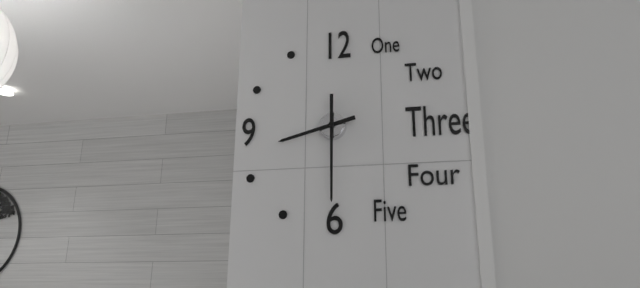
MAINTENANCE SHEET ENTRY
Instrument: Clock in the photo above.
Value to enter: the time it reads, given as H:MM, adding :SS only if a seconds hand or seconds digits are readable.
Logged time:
8:30
